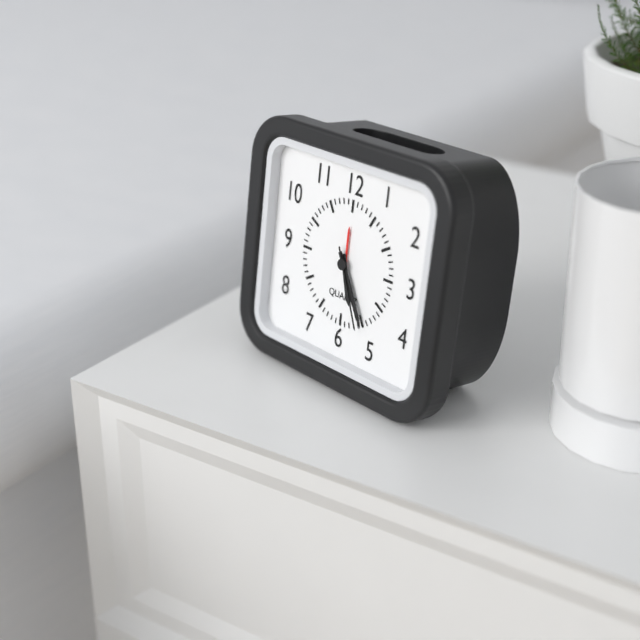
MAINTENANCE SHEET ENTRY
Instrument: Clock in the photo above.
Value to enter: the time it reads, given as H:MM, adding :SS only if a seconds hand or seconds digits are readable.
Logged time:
5:25:26
